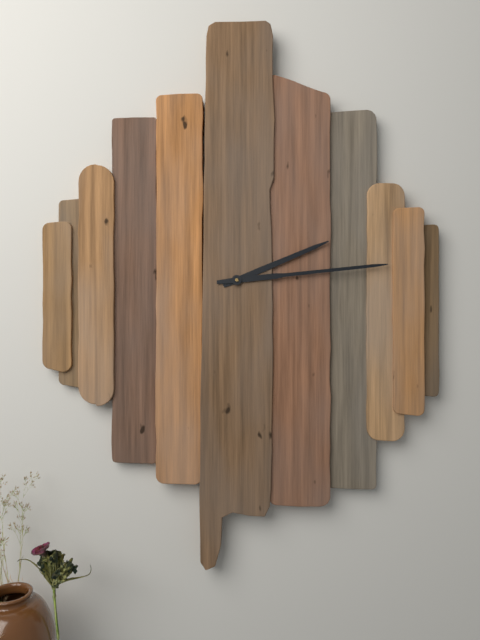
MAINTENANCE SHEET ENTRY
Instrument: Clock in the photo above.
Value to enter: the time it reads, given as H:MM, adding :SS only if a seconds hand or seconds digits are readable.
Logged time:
2:14
